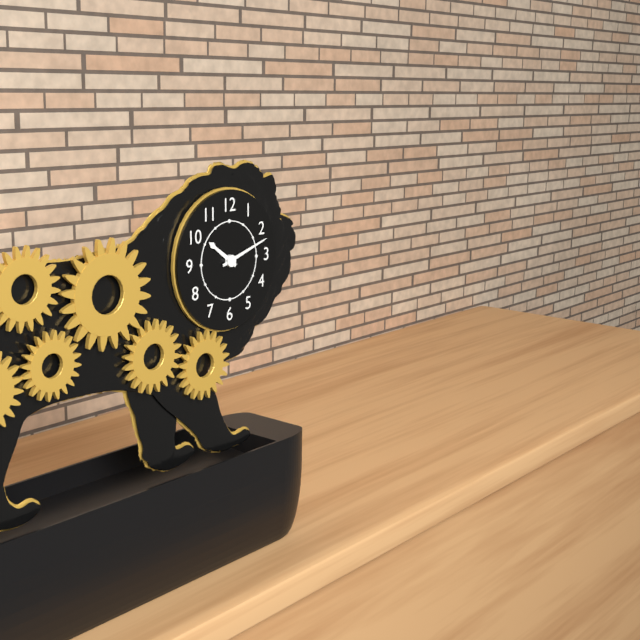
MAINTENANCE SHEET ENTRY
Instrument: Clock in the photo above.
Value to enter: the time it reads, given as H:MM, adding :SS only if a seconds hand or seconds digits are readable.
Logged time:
10:12
